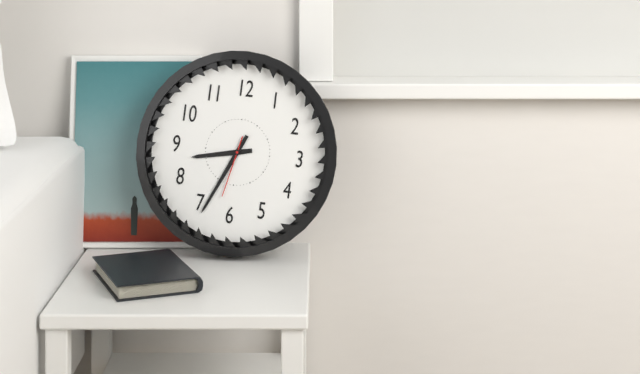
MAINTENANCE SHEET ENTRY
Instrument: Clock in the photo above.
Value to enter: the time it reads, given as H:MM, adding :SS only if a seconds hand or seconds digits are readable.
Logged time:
8:34:32
